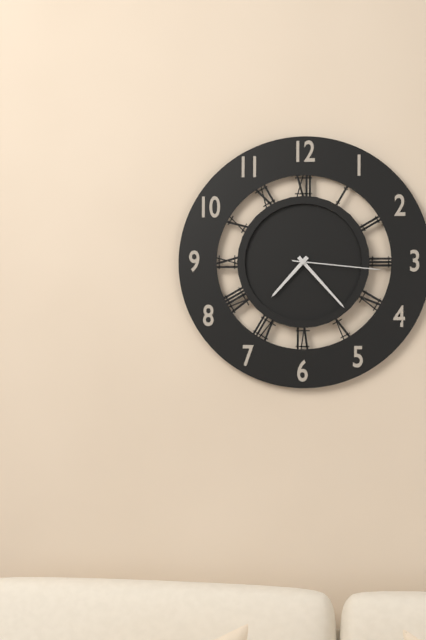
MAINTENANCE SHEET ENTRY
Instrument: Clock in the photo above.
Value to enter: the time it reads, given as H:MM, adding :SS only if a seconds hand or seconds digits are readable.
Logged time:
7:23:16
